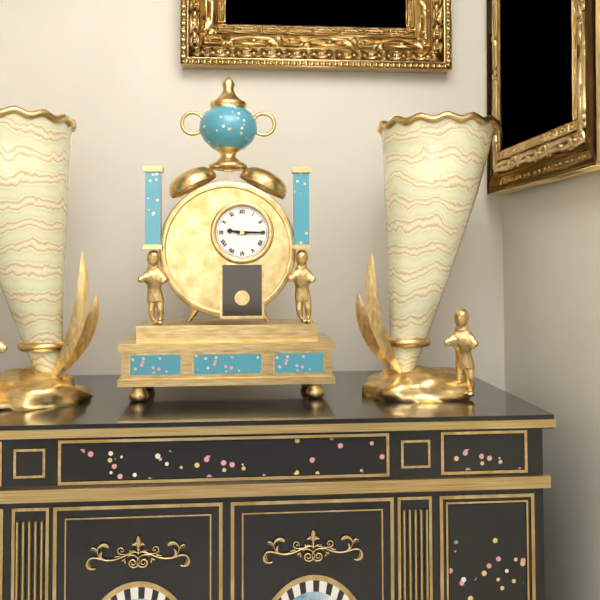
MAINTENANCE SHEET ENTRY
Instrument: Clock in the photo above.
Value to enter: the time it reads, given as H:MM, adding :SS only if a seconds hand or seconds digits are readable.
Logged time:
9:15
